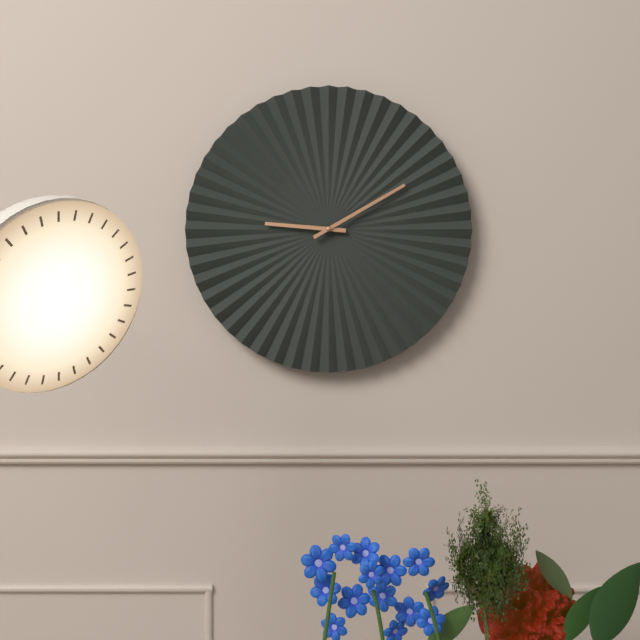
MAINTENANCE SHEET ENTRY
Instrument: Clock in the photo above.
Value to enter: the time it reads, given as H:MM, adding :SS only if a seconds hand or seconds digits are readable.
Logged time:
9:10
